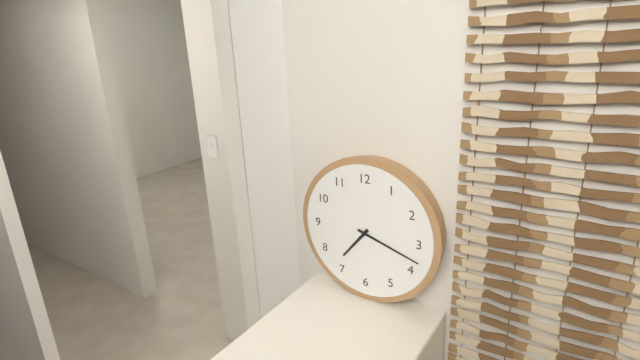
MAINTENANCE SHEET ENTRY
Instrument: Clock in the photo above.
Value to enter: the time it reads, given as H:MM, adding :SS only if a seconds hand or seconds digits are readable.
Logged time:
7:18
